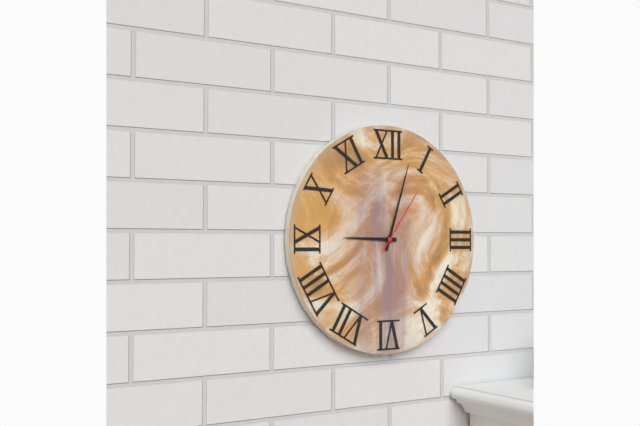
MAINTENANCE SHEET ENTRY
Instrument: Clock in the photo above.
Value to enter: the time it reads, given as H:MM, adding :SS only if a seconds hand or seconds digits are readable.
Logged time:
9:03:06
